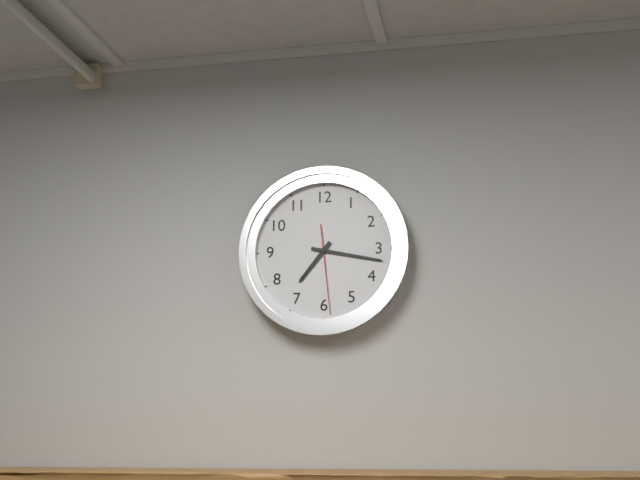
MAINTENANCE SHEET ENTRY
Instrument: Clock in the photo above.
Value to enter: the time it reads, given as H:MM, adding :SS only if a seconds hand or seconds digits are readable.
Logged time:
7:17:29
